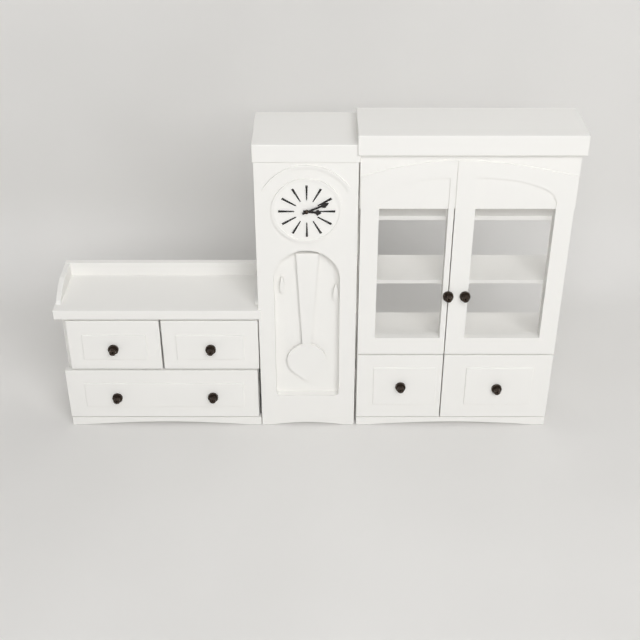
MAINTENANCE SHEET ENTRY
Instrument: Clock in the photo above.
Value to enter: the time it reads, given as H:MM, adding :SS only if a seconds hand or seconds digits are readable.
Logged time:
3:11
